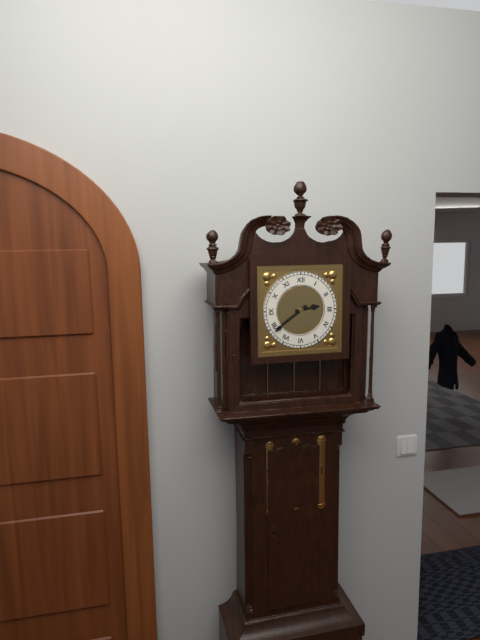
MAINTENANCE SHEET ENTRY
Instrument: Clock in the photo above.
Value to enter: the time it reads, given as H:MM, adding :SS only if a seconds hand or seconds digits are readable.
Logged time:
2:39
